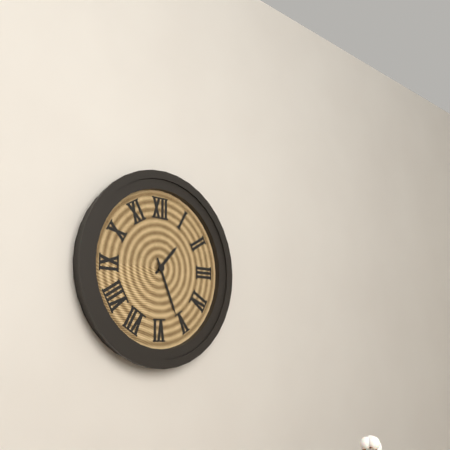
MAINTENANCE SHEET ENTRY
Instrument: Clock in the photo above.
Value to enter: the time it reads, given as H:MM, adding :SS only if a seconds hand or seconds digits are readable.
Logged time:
1:26
